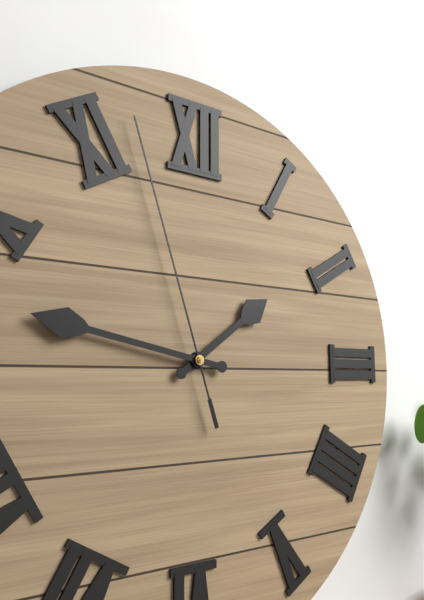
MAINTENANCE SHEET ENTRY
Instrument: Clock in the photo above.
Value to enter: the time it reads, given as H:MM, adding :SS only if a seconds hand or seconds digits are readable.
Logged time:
1:47:57
